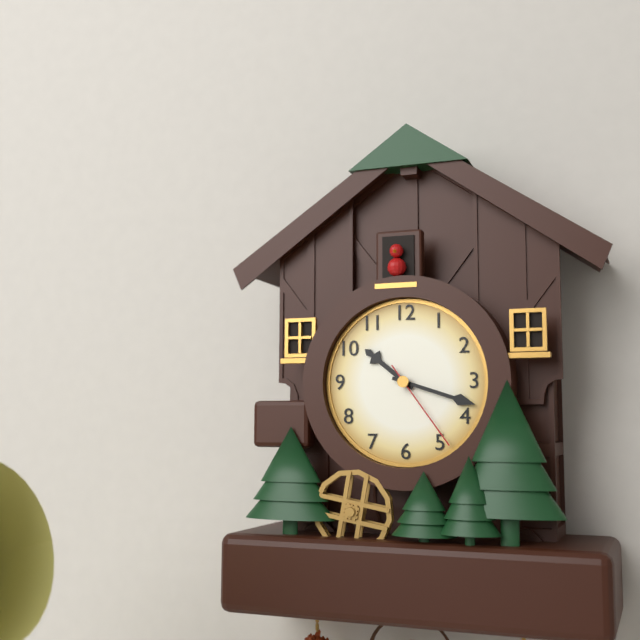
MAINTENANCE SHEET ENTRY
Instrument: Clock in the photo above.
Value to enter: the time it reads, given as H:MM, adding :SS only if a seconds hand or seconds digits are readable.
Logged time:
10:18:24
